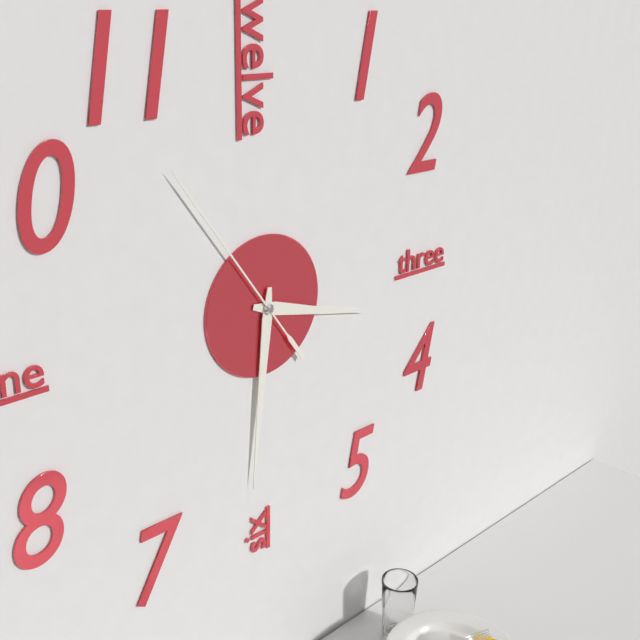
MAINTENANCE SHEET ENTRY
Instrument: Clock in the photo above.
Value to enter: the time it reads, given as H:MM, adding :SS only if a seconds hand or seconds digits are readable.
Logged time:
3:31:54
